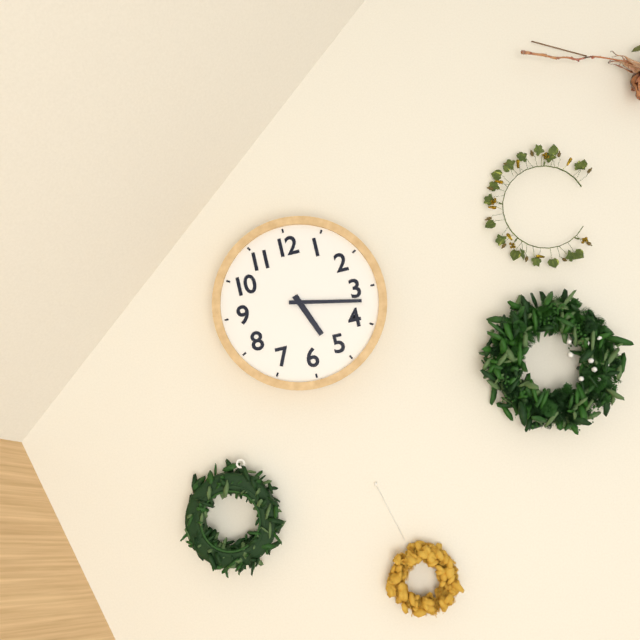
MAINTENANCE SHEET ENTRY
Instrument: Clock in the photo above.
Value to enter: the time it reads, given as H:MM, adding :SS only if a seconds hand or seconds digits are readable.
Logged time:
5:17
